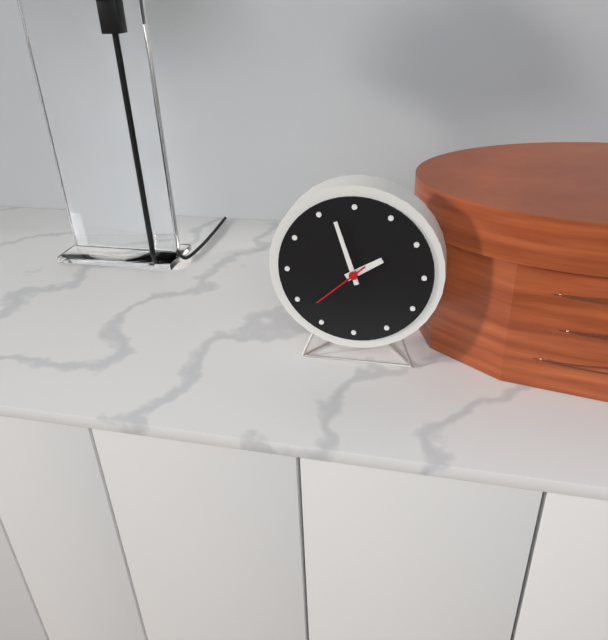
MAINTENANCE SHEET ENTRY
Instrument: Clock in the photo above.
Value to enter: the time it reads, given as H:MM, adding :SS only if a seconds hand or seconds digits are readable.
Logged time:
1:57:38
